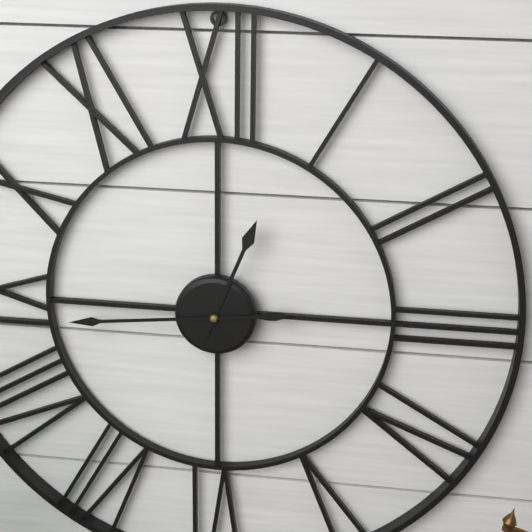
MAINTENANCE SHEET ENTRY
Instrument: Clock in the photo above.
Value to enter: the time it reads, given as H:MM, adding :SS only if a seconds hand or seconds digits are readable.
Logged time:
12:44
